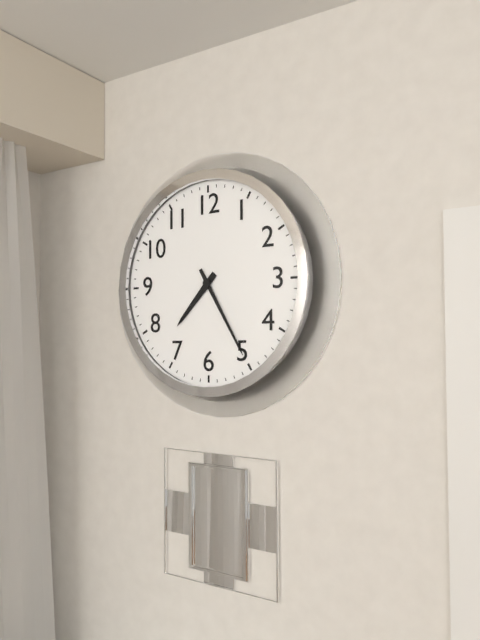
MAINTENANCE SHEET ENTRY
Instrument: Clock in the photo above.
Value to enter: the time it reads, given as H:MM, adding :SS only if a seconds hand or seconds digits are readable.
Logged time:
7:25
